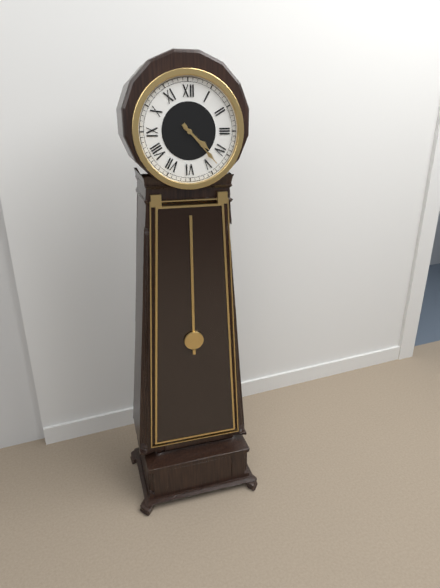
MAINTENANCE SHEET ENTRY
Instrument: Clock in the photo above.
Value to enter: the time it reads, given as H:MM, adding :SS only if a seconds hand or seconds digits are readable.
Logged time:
4:23
